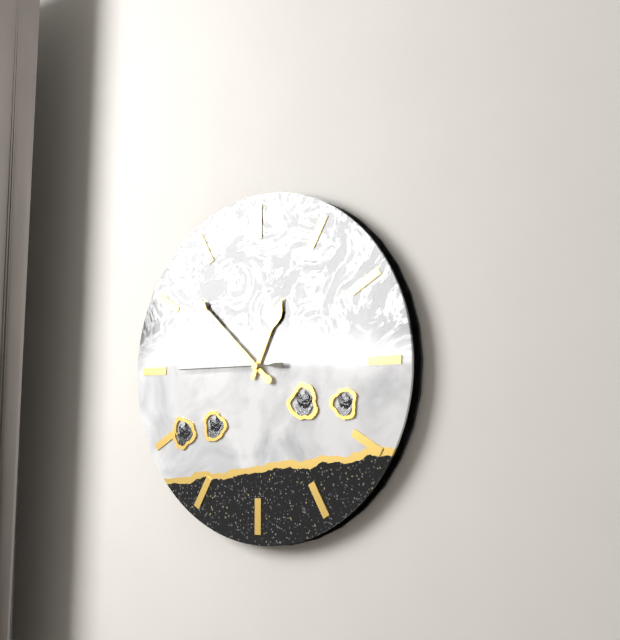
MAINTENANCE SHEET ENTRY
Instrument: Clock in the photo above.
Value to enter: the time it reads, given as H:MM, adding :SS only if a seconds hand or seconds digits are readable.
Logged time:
12:52:45
